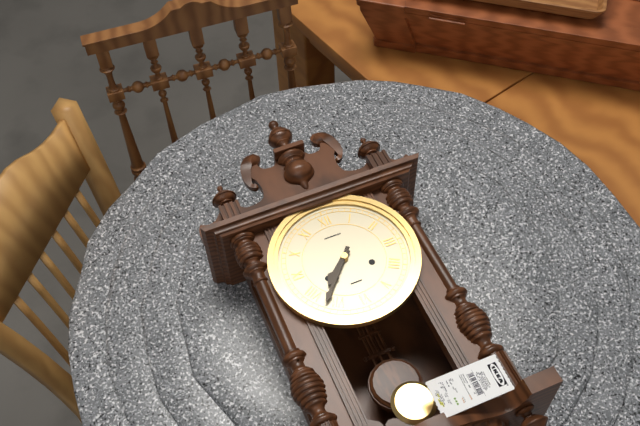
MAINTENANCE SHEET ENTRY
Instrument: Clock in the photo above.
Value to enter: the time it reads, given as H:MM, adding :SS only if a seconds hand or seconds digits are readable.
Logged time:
7:37
